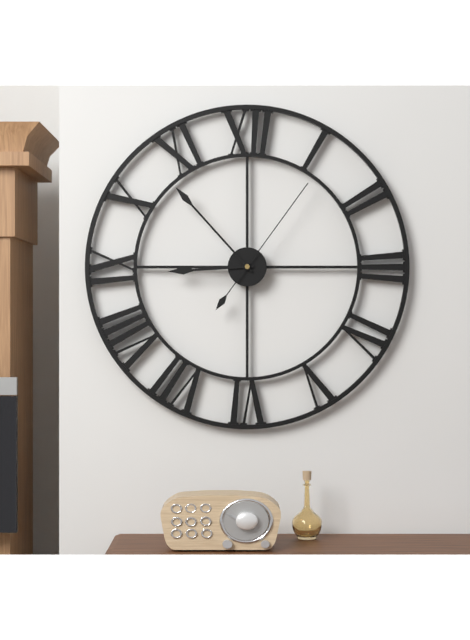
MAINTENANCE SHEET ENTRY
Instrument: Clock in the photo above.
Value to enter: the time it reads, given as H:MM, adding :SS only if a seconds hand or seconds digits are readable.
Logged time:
8:53:06
